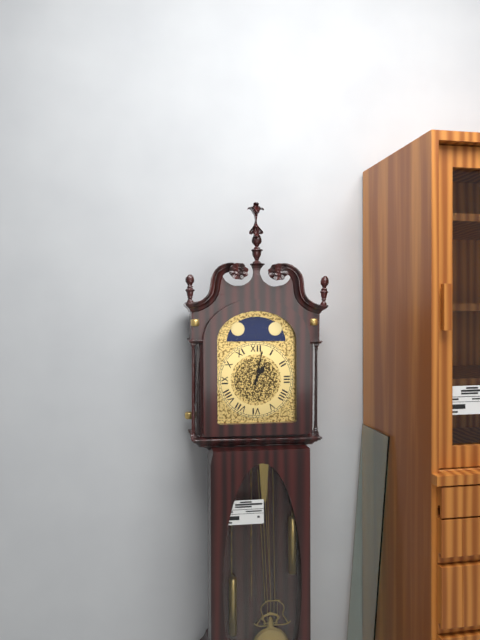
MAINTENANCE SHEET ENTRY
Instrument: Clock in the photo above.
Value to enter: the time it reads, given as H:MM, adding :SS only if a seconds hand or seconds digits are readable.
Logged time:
1:02
